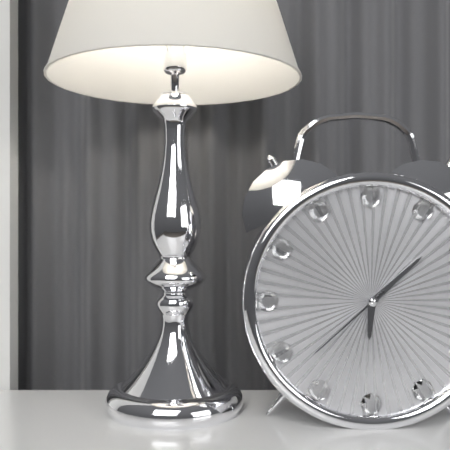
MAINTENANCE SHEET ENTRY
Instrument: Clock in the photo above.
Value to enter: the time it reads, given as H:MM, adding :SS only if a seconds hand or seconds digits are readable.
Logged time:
6:08:38
